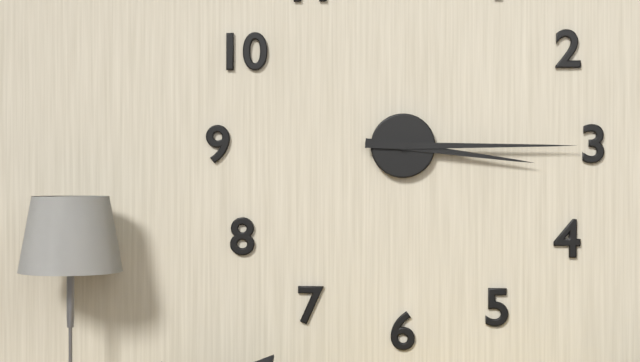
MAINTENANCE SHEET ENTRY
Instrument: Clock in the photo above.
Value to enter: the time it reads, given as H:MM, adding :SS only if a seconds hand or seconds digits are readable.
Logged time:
3:15
